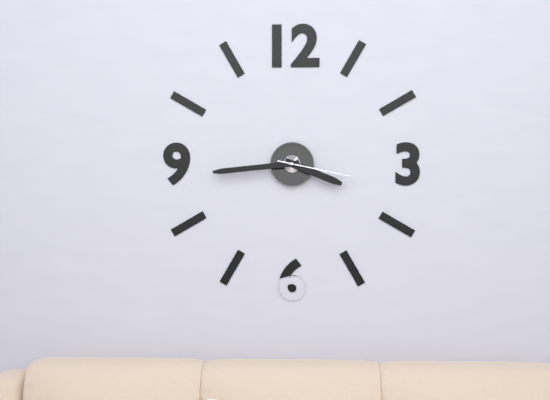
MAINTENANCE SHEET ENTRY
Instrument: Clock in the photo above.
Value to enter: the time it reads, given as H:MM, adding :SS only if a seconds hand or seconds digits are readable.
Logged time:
3:44:17
